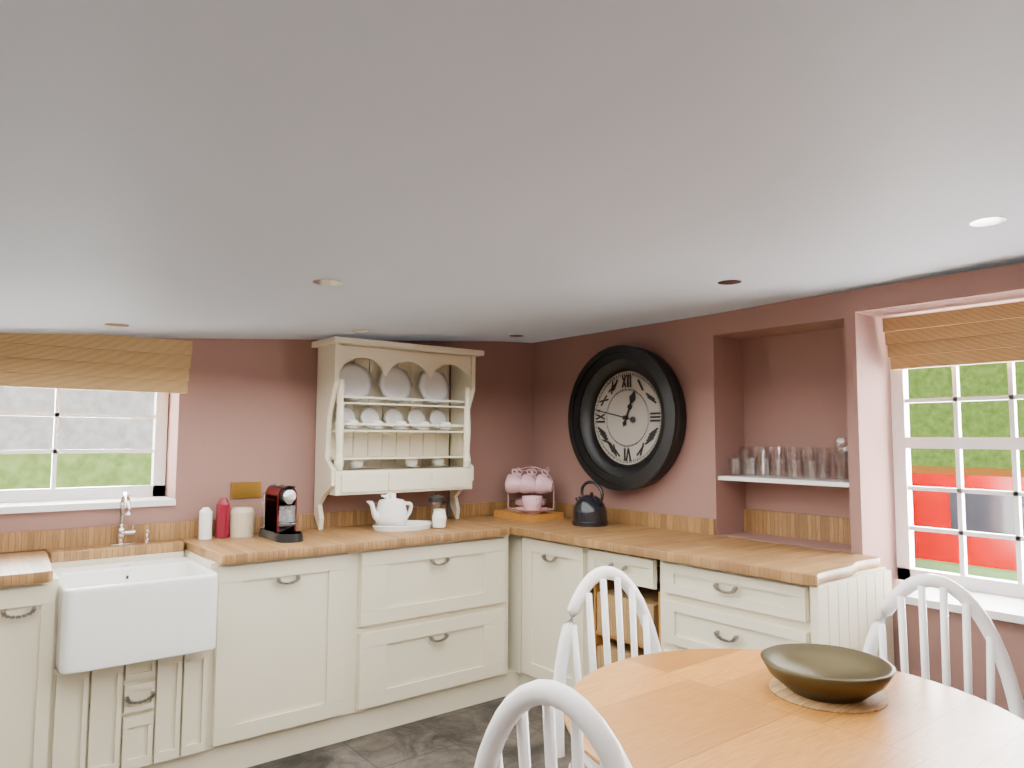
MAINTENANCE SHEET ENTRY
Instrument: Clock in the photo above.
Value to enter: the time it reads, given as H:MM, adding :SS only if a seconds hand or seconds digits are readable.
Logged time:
12:47
